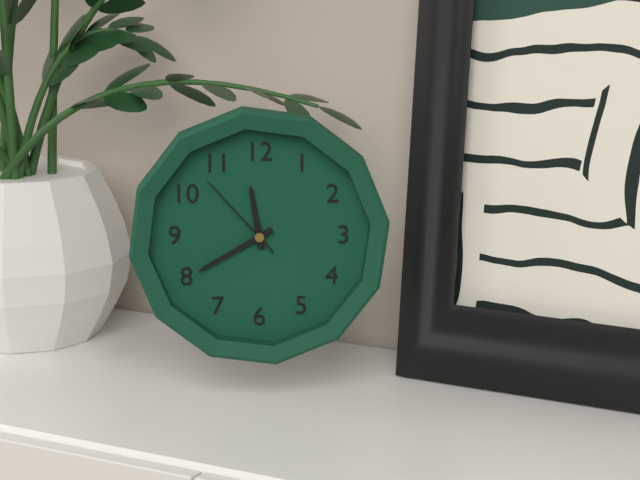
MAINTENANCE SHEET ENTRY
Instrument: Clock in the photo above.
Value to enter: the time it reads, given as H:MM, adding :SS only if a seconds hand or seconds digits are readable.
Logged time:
11:40:53
